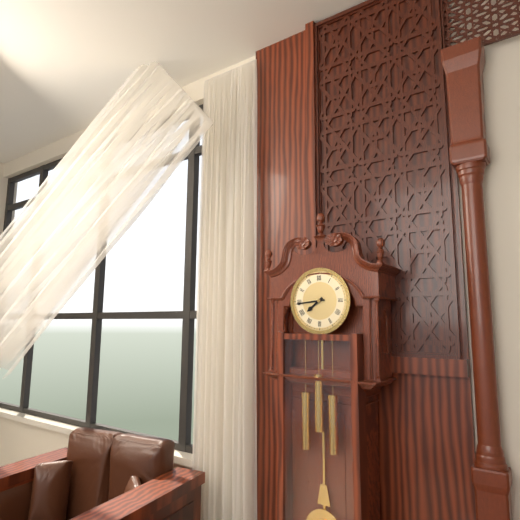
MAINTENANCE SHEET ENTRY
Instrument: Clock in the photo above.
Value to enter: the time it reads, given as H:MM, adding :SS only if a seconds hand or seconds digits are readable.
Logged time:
7:44
